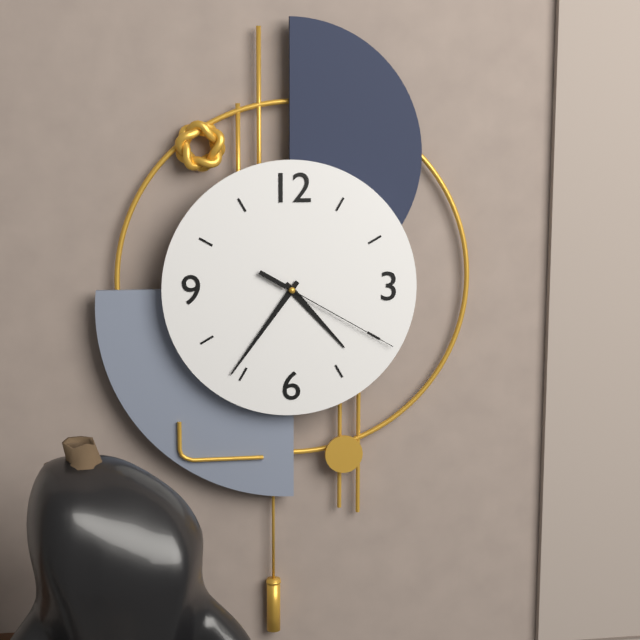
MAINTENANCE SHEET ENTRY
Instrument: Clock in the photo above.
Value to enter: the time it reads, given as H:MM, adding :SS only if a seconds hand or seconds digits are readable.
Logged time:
4:36:20
